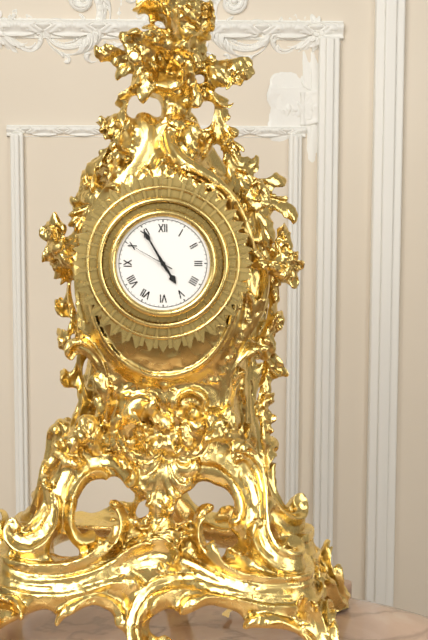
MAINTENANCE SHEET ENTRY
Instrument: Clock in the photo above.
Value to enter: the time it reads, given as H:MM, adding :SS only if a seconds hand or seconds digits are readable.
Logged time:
4:55:50
